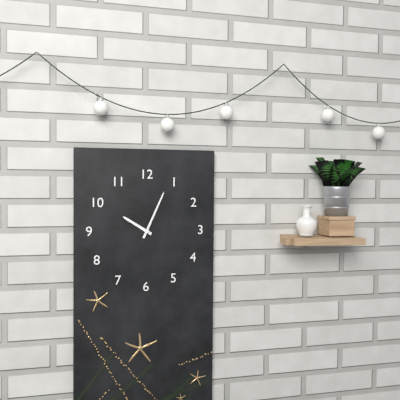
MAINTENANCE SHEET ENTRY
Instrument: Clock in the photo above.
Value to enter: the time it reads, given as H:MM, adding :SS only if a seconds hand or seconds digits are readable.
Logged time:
10:04
